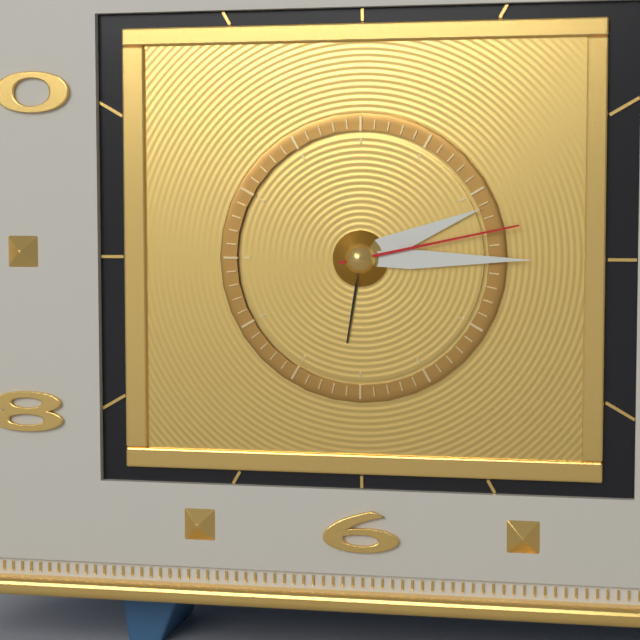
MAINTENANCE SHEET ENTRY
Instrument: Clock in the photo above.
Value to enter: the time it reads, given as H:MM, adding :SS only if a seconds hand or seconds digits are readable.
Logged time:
2:15:13
